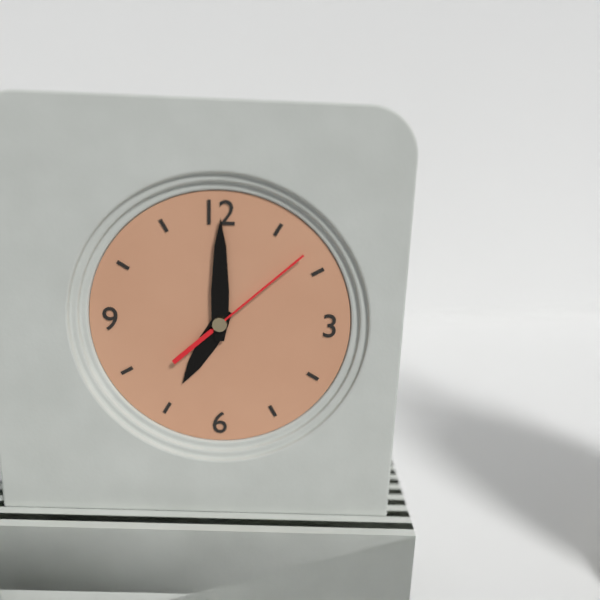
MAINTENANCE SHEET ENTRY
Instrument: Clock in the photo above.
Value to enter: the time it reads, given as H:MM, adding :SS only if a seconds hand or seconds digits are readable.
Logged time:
7:00:08
